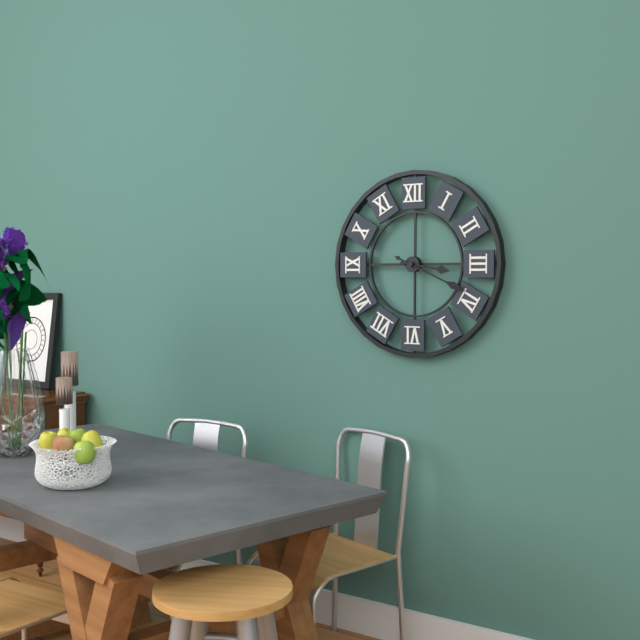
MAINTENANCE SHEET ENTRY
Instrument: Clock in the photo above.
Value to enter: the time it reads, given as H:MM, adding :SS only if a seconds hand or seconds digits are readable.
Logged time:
3:19
